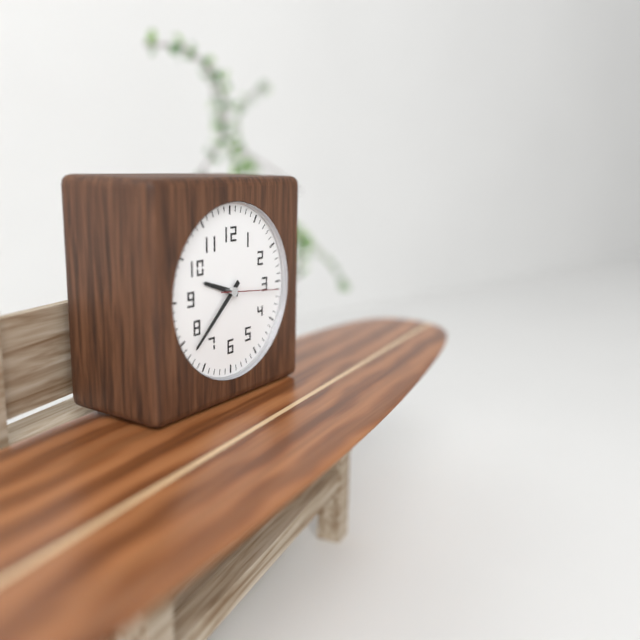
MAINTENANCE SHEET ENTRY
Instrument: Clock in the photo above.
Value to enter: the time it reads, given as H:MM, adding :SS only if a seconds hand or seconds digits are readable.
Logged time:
9:38:16
